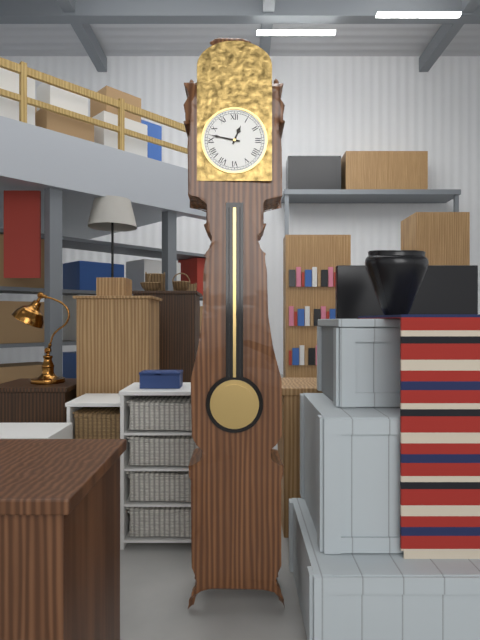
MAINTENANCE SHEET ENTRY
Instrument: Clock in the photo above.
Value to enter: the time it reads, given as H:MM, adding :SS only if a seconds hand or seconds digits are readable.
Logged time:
12:47
